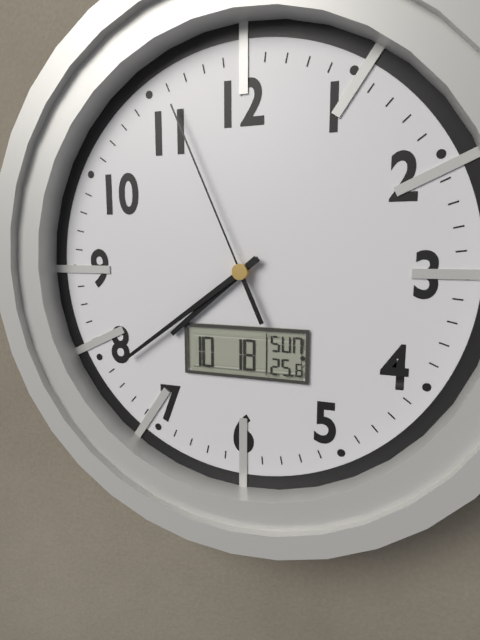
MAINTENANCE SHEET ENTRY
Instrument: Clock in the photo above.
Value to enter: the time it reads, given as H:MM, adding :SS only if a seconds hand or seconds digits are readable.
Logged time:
7:39:56
